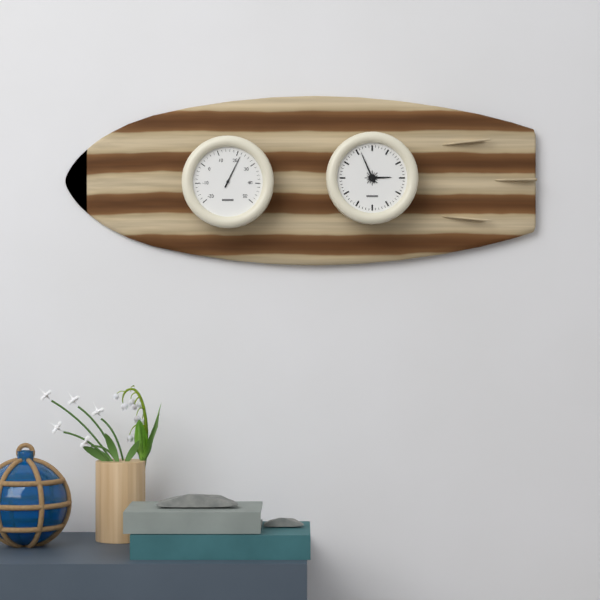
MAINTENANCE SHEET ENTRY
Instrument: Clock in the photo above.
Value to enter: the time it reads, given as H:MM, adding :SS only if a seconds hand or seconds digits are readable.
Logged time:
2:56
